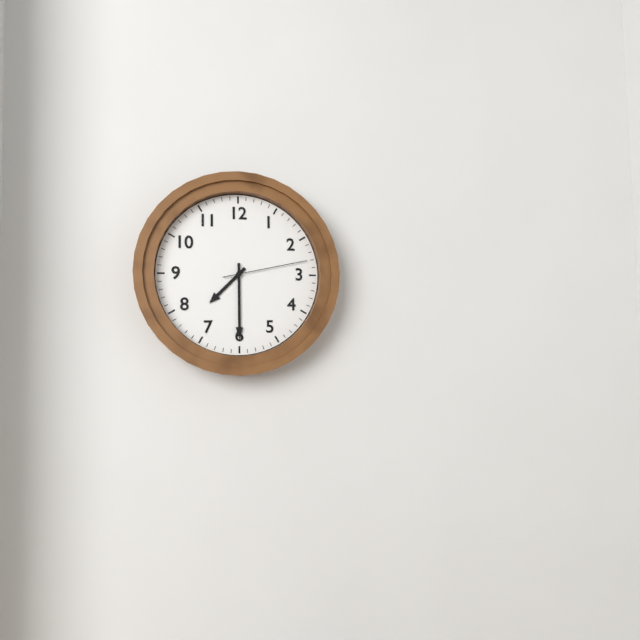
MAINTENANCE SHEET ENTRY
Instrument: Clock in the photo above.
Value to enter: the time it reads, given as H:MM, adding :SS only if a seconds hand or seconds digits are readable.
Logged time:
7:30:13
